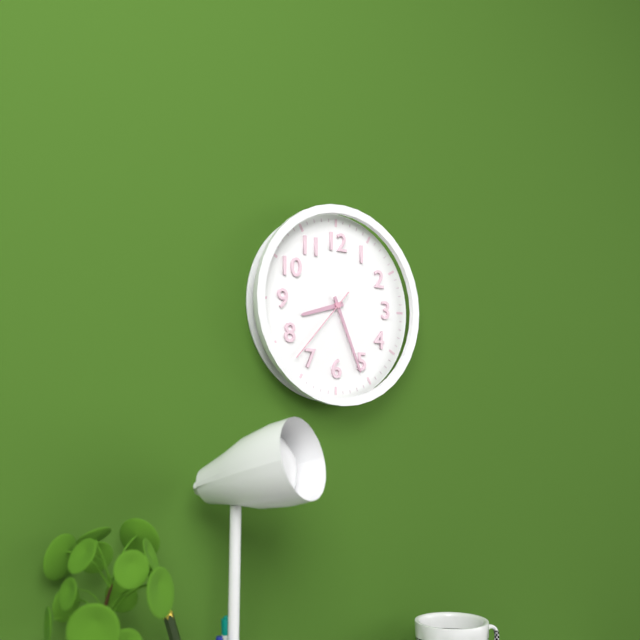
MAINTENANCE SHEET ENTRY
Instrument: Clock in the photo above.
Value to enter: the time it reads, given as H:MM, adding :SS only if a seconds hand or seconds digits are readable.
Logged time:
8:26:37
